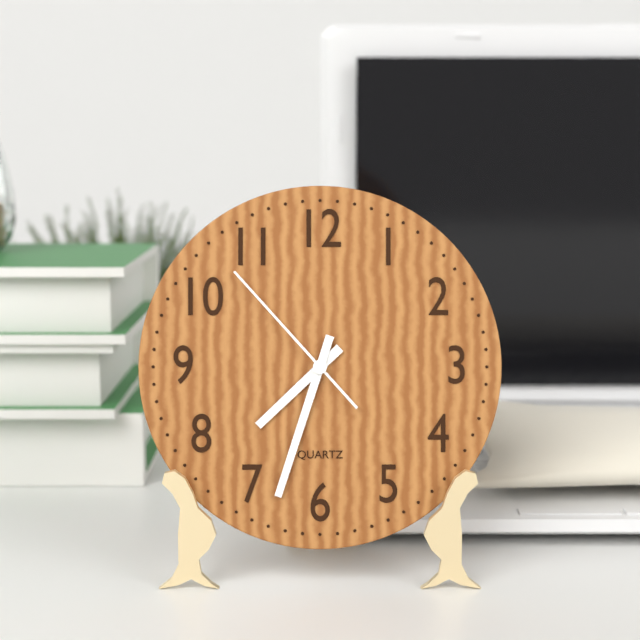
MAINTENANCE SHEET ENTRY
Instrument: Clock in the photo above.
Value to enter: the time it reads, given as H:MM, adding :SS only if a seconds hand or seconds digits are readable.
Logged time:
7:33:53
